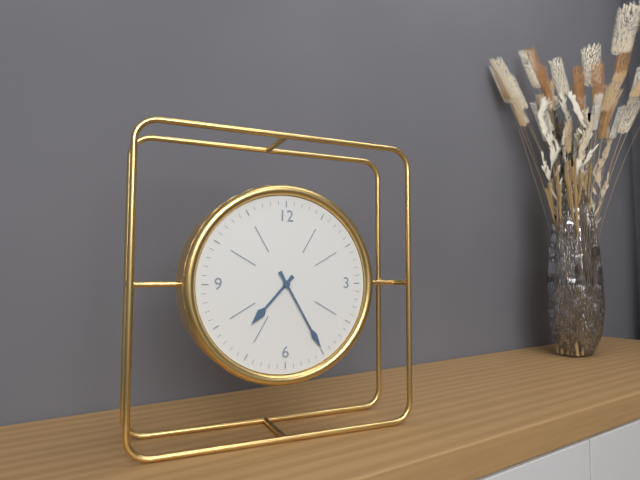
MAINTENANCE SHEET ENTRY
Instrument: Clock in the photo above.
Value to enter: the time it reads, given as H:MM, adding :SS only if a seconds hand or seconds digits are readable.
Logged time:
7:25
